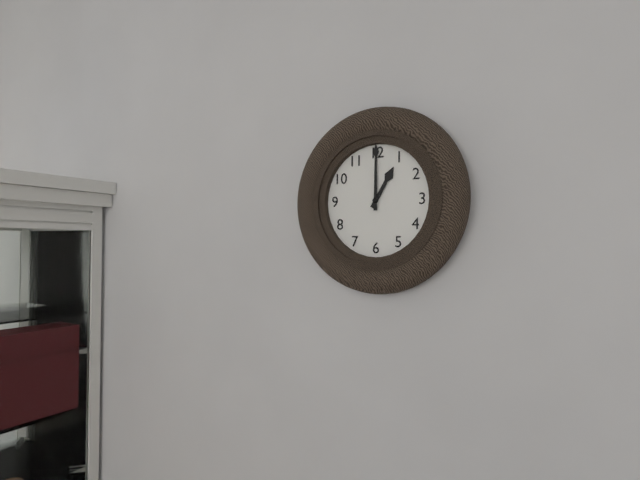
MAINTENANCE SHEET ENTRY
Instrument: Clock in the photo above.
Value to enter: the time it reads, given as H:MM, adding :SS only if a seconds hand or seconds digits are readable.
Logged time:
1:00
